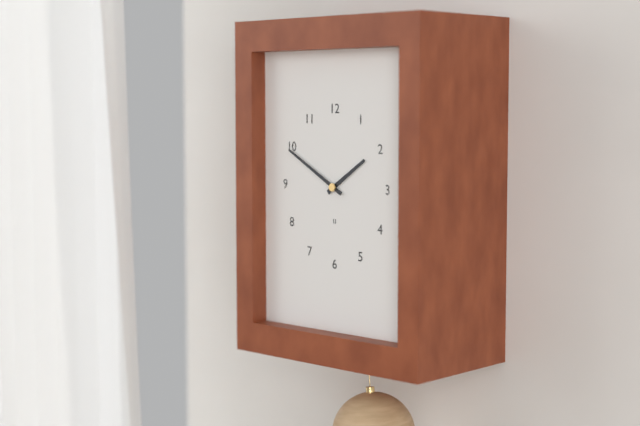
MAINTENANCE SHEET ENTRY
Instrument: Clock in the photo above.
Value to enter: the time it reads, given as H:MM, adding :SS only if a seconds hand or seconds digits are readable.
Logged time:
1:50
